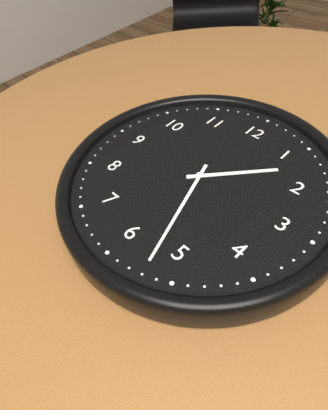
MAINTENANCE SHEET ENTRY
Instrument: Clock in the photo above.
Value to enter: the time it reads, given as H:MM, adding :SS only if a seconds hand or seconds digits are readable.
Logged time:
1:27
